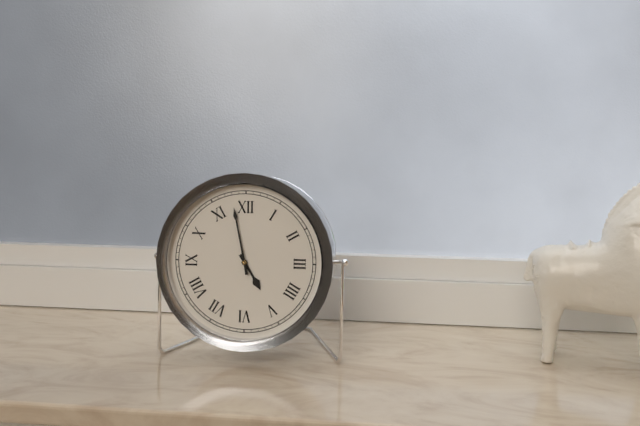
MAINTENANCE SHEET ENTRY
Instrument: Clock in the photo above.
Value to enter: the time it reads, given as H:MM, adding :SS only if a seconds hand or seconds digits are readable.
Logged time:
4:58
